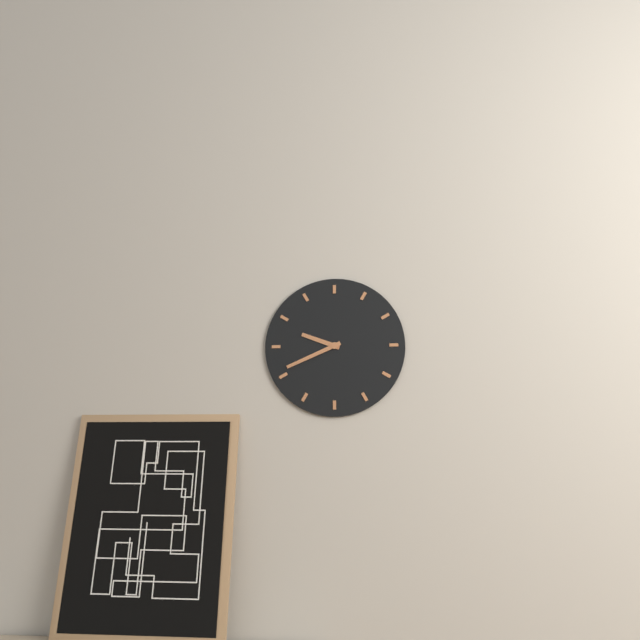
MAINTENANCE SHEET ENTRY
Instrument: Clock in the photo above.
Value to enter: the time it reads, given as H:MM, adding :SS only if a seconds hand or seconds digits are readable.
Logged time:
9:41
